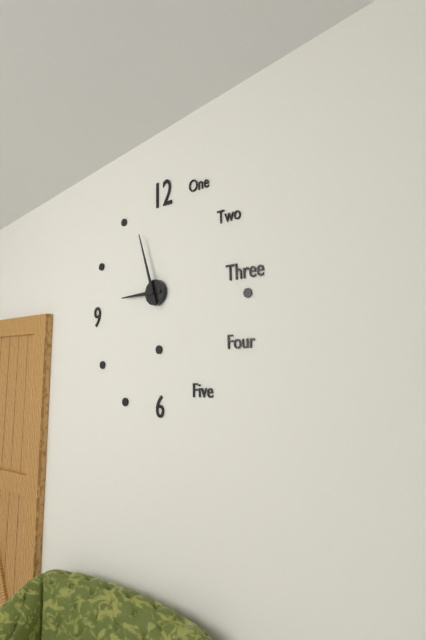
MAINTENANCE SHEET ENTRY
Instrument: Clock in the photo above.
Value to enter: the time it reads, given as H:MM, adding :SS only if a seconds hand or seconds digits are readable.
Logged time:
8:57
